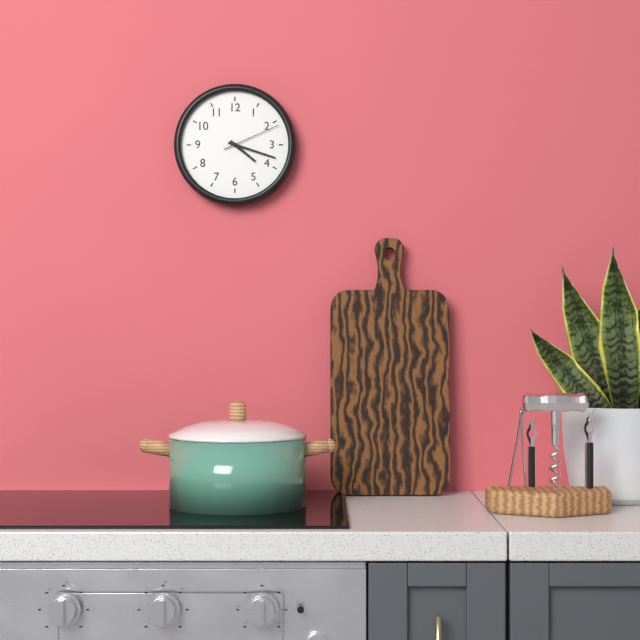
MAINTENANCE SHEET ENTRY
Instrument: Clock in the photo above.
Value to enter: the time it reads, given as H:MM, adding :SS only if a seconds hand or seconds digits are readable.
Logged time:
4:18:11
